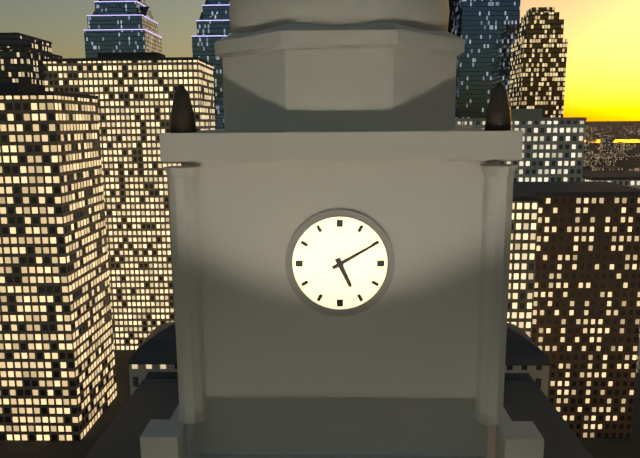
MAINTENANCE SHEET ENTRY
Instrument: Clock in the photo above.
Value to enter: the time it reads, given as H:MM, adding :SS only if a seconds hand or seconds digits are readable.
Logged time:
5:10
